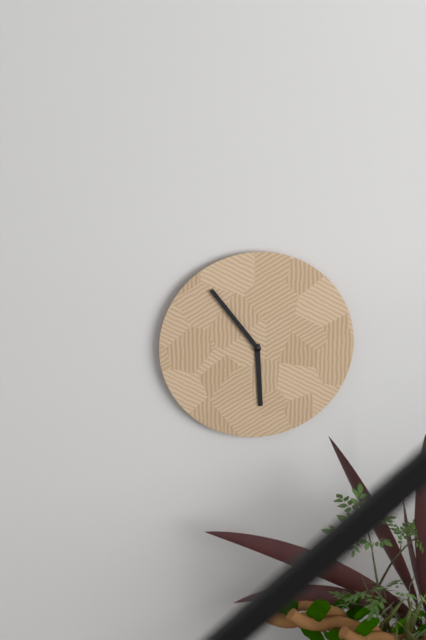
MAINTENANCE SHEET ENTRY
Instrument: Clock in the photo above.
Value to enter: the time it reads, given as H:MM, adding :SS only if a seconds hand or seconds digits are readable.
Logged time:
5:54
